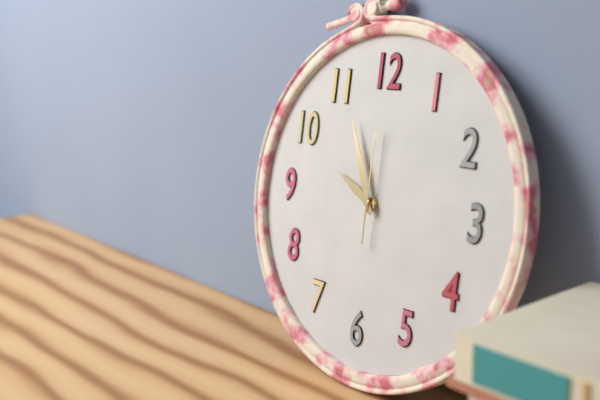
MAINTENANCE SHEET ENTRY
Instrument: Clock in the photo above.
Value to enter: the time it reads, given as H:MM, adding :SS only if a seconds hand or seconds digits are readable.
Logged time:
9:56:00
